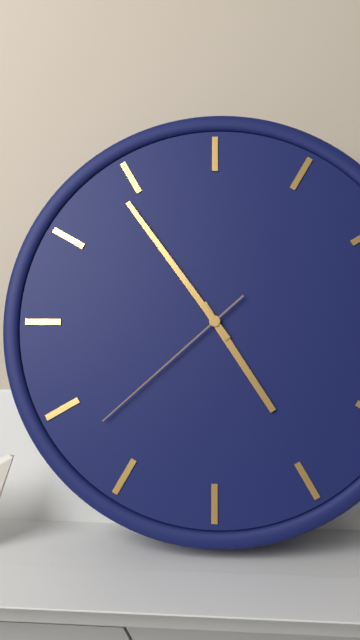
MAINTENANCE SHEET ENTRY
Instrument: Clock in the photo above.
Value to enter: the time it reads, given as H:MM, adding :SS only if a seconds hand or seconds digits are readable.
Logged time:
4:54:38
